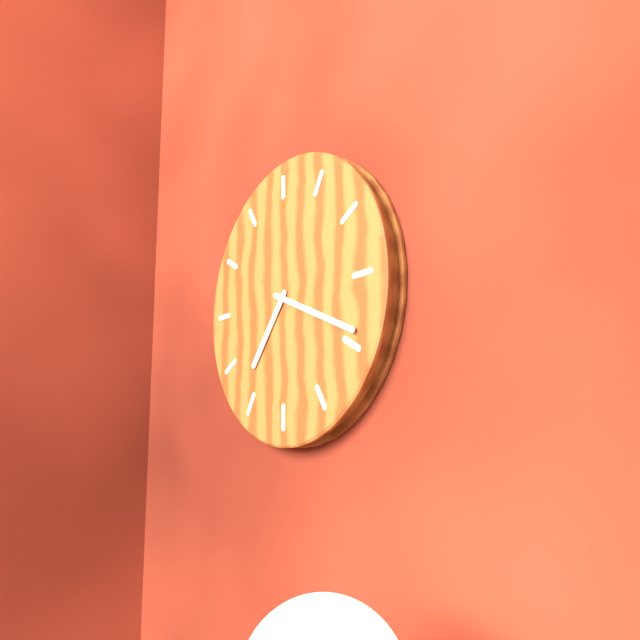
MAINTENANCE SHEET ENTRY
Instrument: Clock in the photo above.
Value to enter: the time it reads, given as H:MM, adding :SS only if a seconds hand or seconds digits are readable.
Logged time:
7:19
